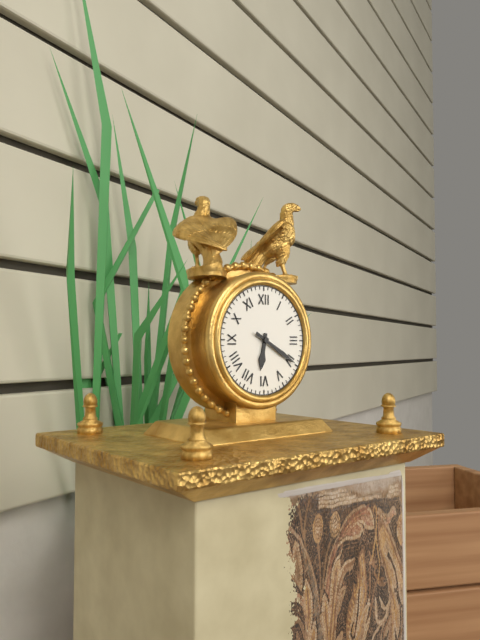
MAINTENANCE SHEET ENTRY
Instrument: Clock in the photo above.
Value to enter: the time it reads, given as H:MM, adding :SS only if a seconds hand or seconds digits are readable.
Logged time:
6:20
